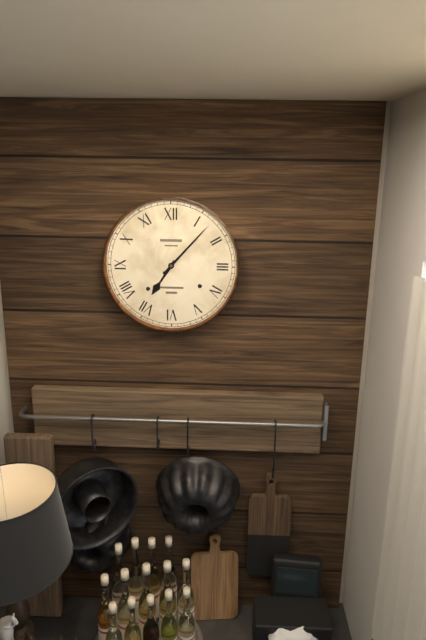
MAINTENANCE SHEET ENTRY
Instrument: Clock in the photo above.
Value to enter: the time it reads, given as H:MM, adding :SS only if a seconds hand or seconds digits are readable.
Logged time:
7:07
